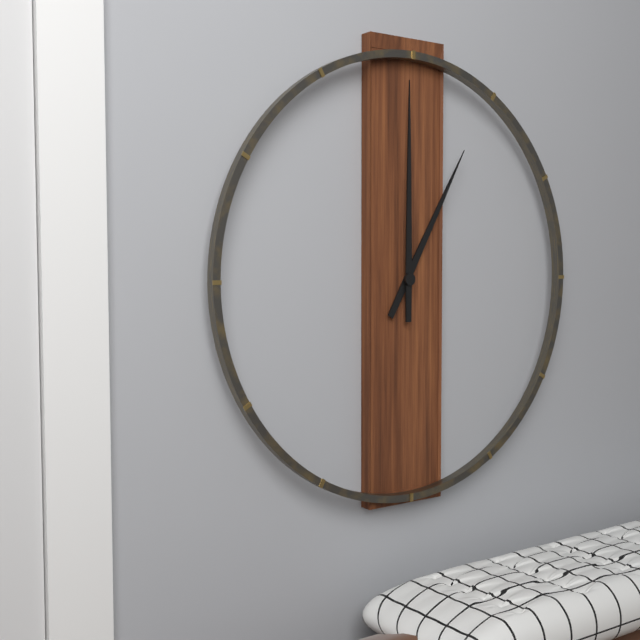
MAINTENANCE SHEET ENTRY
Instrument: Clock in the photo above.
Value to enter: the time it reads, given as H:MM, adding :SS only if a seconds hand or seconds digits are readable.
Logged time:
1:00
